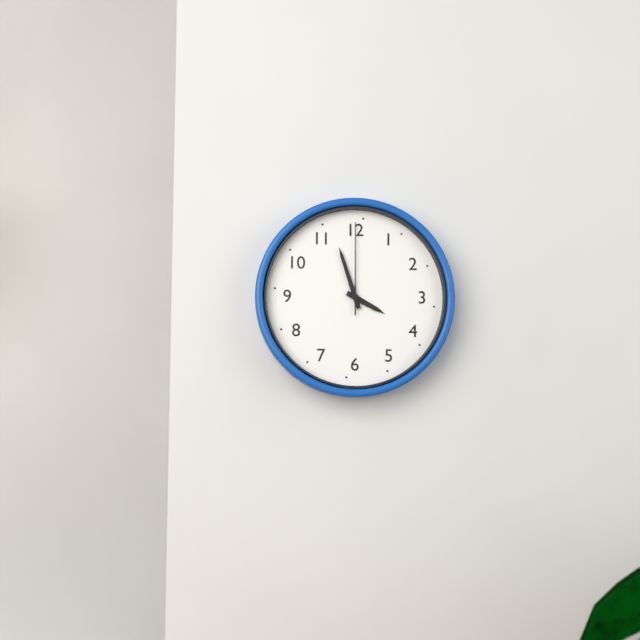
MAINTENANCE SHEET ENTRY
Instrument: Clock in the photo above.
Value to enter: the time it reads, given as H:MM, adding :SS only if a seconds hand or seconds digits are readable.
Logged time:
3:57:00
